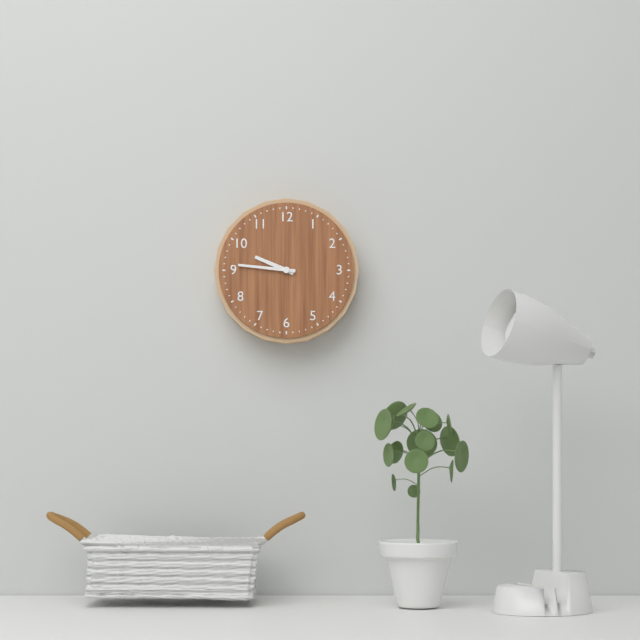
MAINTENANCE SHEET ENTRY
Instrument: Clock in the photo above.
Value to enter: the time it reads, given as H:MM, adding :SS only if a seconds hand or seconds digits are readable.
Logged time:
9:46
